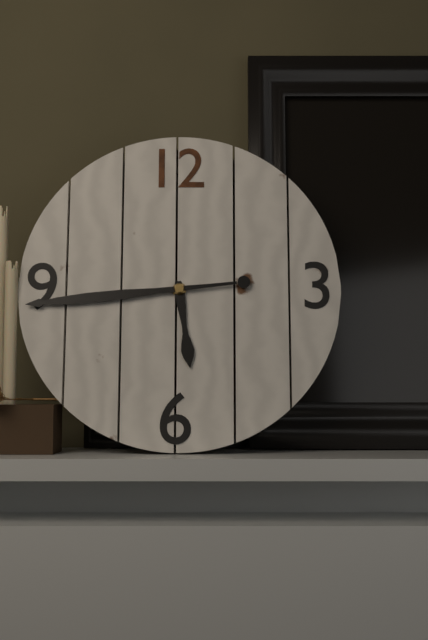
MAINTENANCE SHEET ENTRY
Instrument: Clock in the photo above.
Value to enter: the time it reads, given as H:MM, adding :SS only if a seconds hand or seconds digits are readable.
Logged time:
5:44
